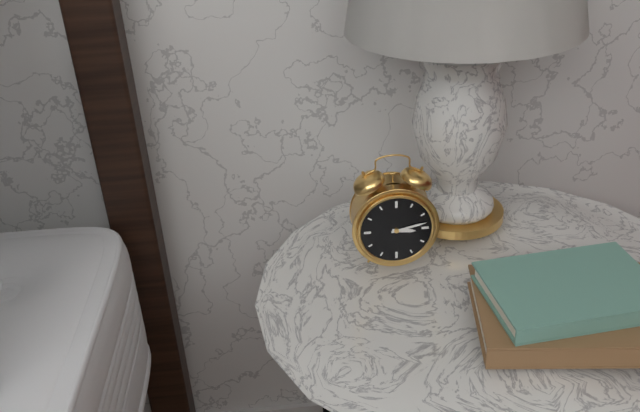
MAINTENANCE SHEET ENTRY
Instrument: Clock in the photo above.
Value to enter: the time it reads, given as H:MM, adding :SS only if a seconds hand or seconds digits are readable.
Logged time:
3:13
